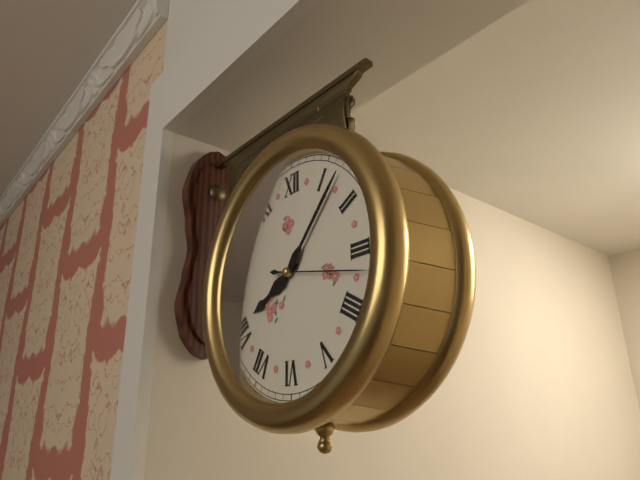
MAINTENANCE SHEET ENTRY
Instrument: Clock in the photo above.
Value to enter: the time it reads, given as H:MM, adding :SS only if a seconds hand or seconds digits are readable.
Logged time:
8:07:17
